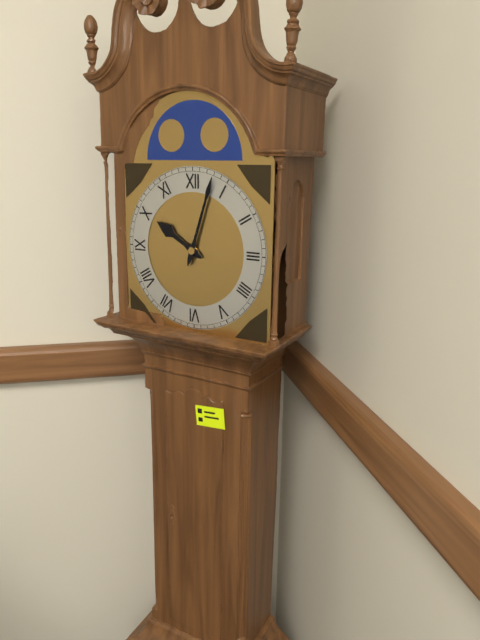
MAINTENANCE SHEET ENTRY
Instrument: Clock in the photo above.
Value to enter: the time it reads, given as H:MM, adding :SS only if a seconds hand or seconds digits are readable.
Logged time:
10:03
